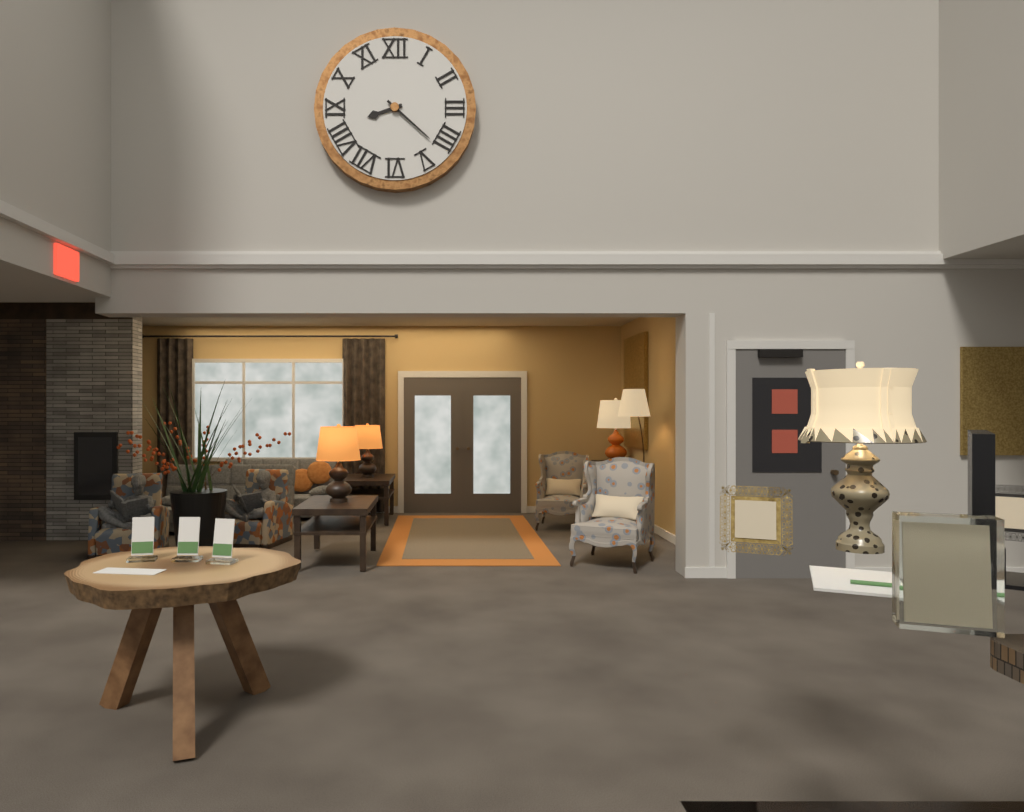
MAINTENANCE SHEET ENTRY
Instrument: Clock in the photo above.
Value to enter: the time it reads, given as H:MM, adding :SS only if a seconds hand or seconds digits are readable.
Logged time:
8:22
